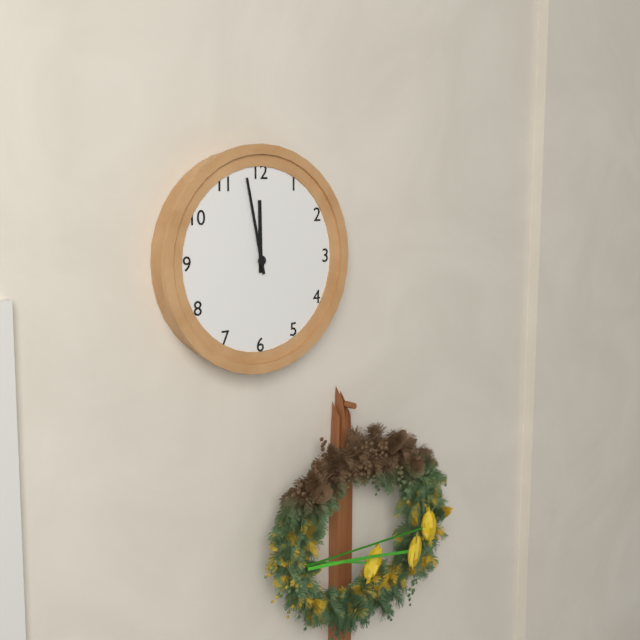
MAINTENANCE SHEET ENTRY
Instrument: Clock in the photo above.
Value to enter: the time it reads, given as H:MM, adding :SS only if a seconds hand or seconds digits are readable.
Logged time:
11:58
